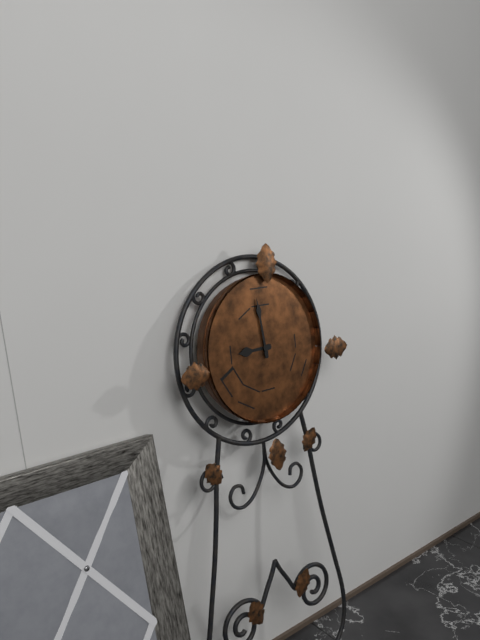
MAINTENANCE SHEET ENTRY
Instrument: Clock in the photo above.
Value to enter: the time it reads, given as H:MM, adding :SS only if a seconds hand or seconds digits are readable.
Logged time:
8:59
